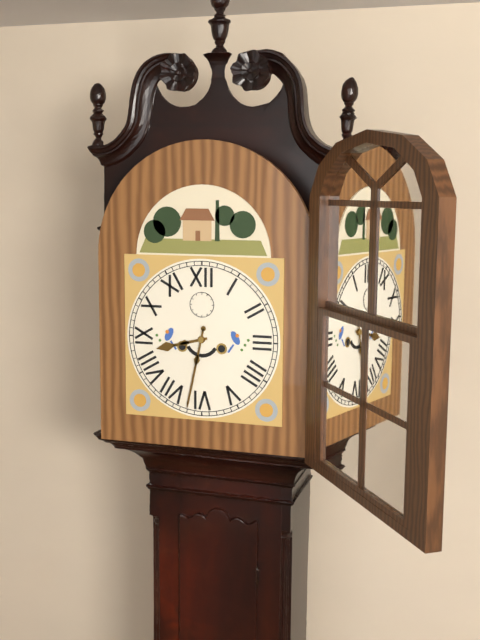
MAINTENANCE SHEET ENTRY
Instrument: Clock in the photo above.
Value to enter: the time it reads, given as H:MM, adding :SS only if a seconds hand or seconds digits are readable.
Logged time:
8:32
